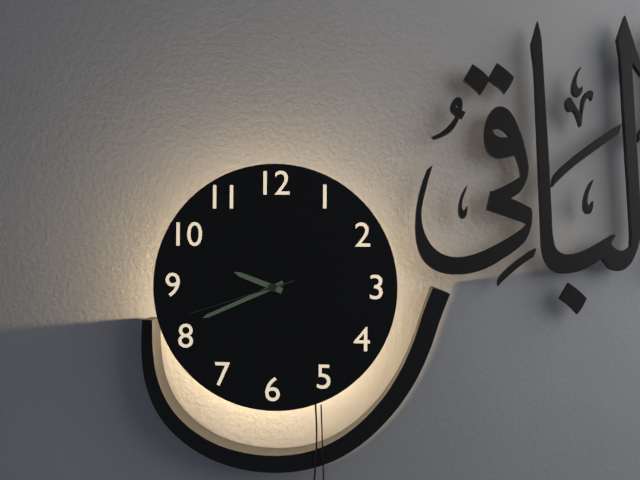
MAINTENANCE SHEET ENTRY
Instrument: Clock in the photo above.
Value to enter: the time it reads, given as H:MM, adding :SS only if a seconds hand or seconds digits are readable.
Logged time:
9:41:42
